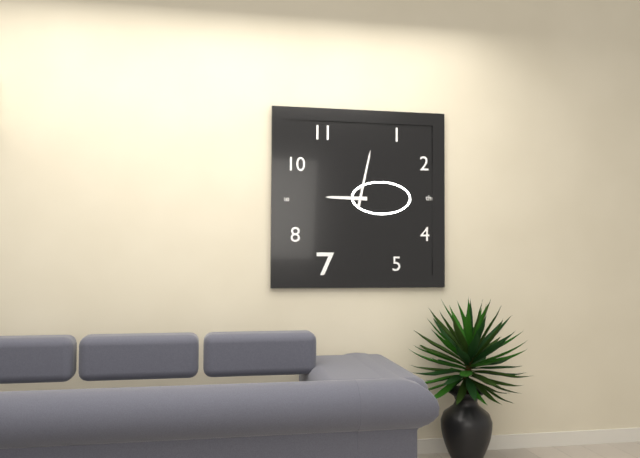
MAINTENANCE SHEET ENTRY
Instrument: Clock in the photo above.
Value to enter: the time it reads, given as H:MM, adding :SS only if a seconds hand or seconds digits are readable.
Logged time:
9:02
